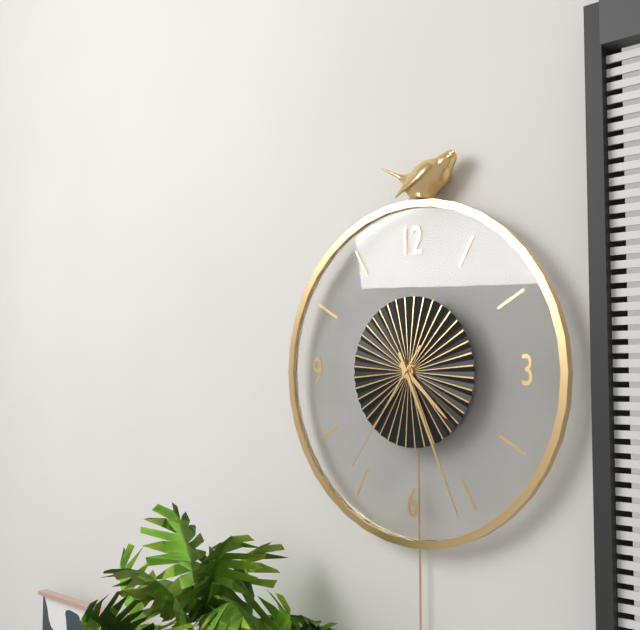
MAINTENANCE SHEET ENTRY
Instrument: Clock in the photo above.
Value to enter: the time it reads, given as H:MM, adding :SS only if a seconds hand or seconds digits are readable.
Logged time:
4:26:36
